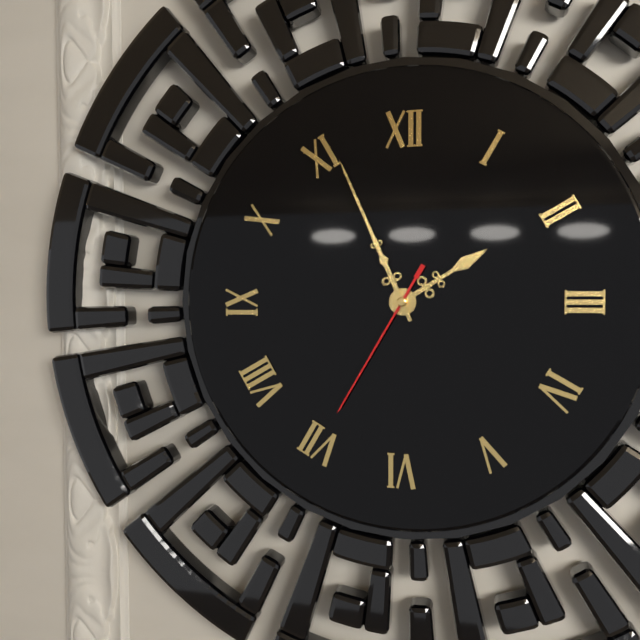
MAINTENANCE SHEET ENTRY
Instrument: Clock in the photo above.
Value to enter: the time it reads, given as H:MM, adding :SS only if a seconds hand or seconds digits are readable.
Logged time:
1:56:35
